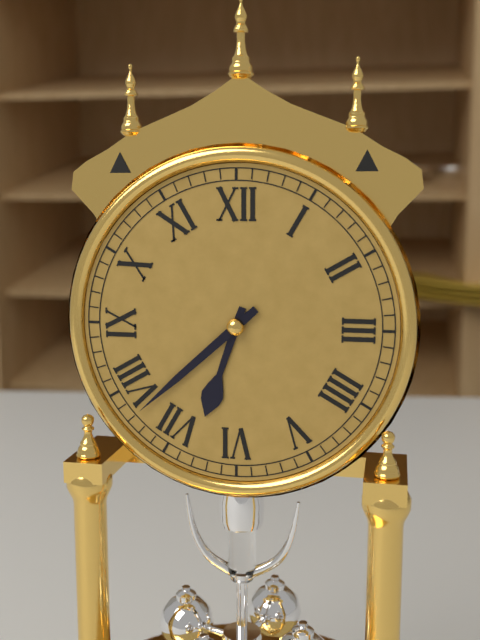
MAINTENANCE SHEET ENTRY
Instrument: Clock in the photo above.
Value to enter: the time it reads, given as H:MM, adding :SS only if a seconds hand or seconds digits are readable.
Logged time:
6:38
